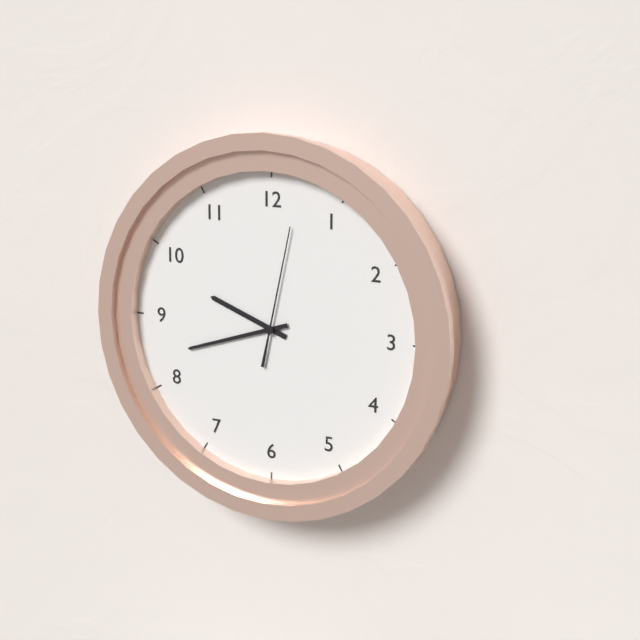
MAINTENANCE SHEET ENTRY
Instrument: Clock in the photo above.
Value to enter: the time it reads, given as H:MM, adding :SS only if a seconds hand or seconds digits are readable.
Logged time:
9:42:02
